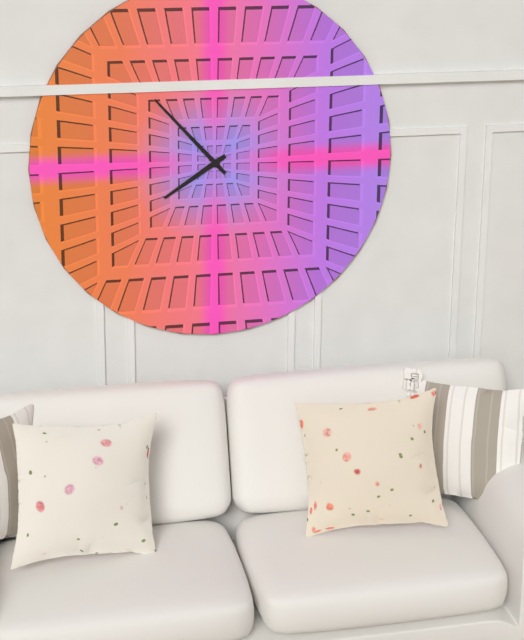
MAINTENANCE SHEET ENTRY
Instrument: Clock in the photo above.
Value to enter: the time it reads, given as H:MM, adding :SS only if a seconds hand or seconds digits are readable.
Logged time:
7:53
